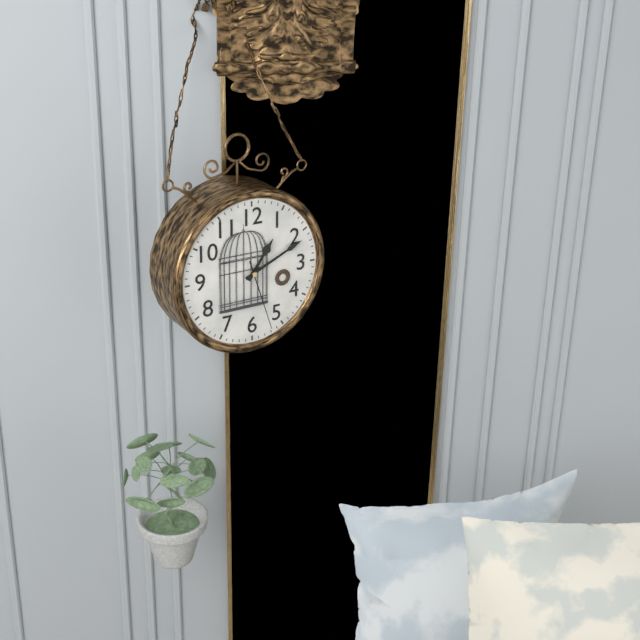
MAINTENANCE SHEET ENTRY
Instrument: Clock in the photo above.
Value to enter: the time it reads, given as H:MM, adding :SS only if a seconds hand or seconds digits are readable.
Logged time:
1:11:27
